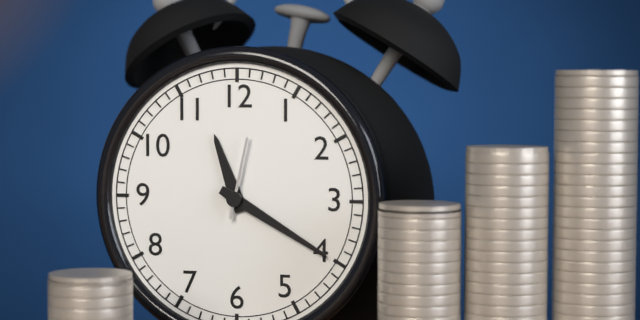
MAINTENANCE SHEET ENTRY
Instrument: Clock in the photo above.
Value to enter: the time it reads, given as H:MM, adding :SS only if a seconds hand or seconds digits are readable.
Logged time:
11:20:02
